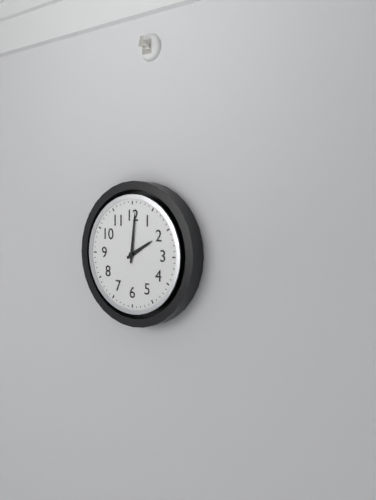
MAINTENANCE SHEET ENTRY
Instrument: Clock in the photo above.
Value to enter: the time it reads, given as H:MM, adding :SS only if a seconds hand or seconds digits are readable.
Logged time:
2:01
